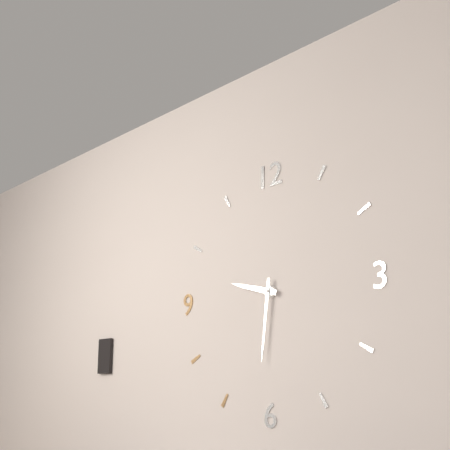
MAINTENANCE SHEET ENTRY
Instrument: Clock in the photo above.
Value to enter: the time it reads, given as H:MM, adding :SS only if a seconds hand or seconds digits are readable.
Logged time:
9:31
